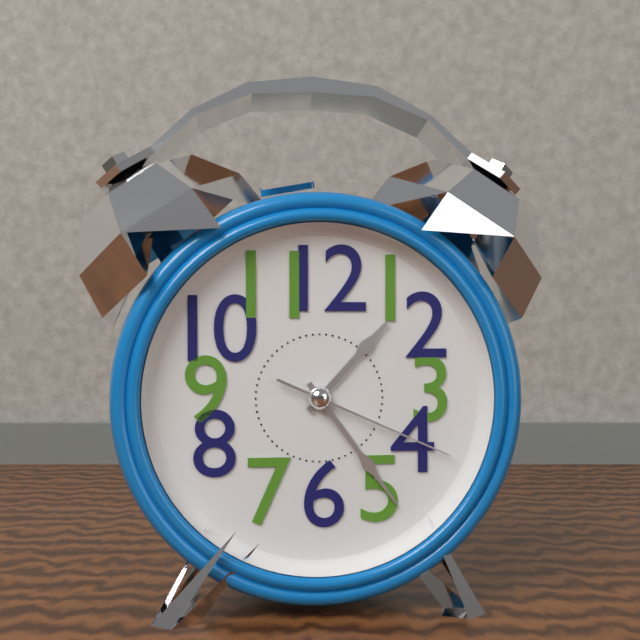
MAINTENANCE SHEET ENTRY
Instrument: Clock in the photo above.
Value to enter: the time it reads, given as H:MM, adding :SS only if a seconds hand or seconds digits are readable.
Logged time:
1:24:19
